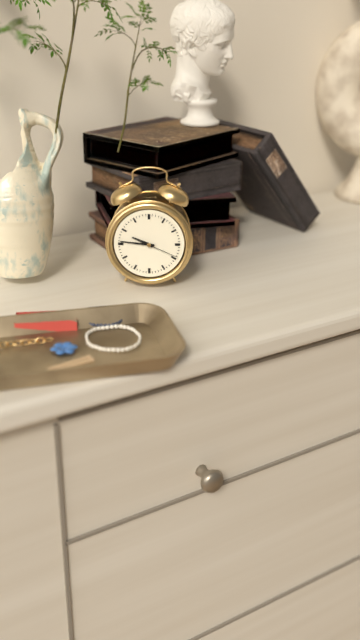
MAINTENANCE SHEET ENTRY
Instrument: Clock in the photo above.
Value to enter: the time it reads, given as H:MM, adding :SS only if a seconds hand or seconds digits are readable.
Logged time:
9:46
